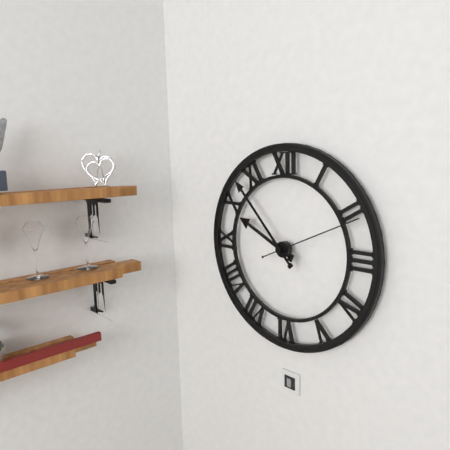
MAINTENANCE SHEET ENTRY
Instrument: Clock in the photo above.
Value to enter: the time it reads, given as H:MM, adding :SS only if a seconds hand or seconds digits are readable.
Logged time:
9:53:11
